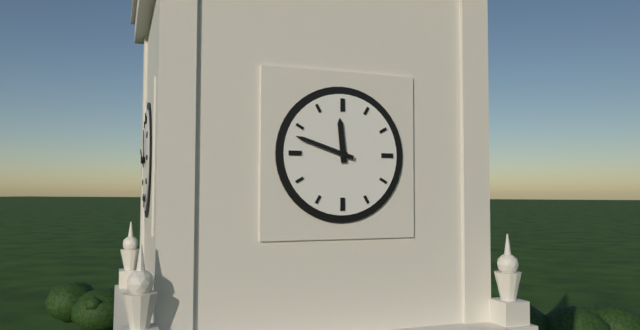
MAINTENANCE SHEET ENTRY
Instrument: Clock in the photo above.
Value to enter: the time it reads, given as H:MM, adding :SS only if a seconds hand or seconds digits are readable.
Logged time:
11:48
